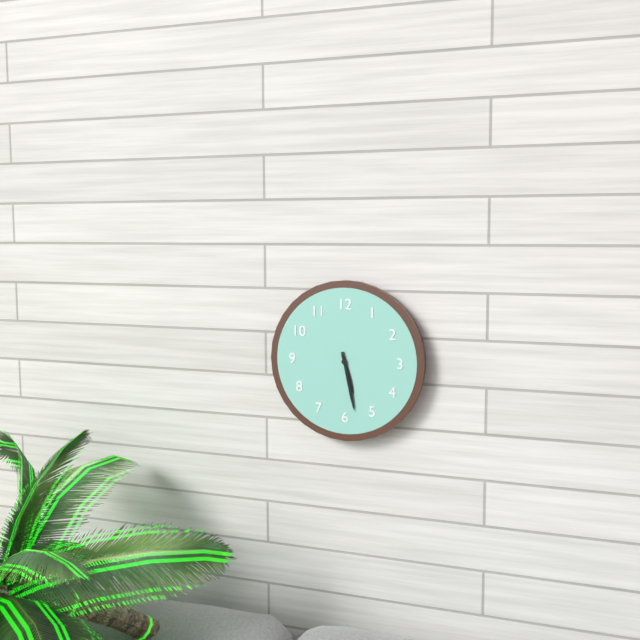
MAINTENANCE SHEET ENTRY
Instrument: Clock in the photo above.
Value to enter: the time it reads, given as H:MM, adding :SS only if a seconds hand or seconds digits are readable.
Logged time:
5:28
